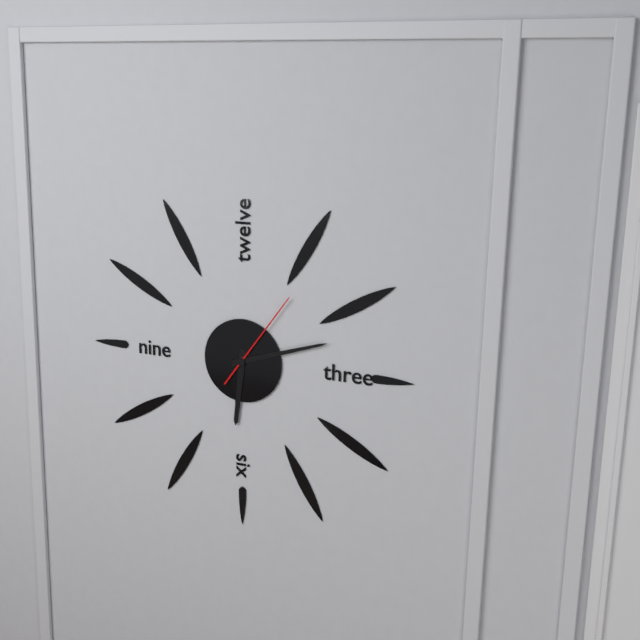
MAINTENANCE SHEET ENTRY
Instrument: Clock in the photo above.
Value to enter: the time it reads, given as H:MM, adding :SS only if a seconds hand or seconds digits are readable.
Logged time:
6:12:06
